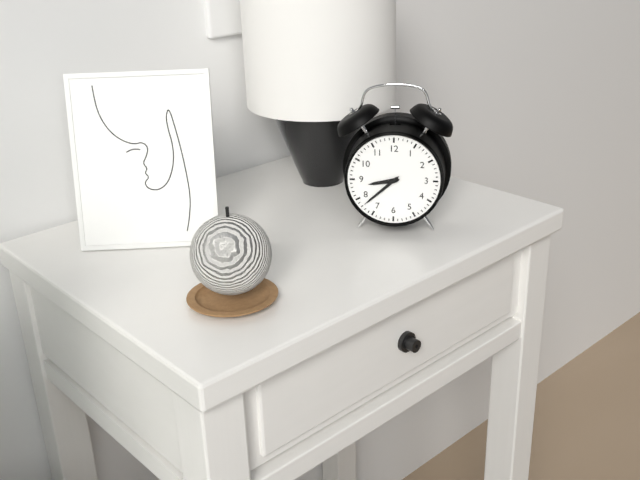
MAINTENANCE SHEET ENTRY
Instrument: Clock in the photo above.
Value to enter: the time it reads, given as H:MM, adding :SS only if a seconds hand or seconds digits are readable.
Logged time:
8:38
